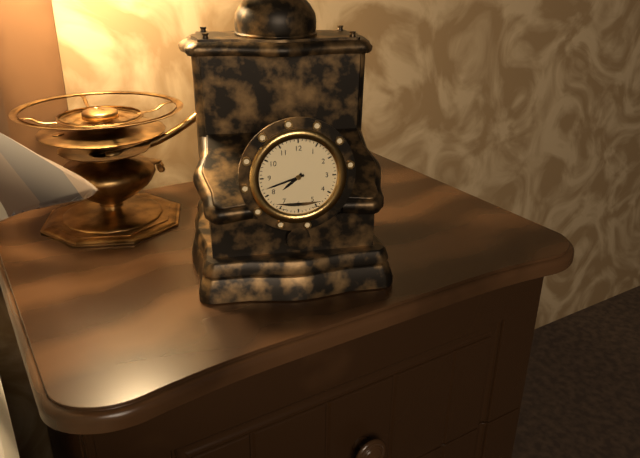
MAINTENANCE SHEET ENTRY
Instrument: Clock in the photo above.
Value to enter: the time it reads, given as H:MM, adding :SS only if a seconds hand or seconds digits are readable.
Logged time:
7:42
